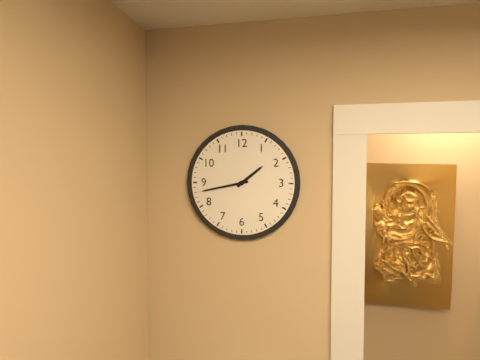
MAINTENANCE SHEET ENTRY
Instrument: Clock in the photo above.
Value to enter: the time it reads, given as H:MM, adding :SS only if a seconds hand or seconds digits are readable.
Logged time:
1:43
